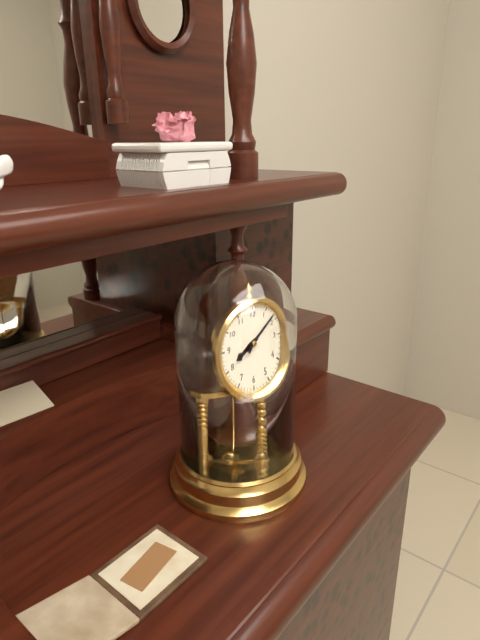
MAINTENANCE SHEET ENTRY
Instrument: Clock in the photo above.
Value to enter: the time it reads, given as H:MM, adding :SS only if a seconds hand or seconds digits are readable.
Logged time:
8:08
